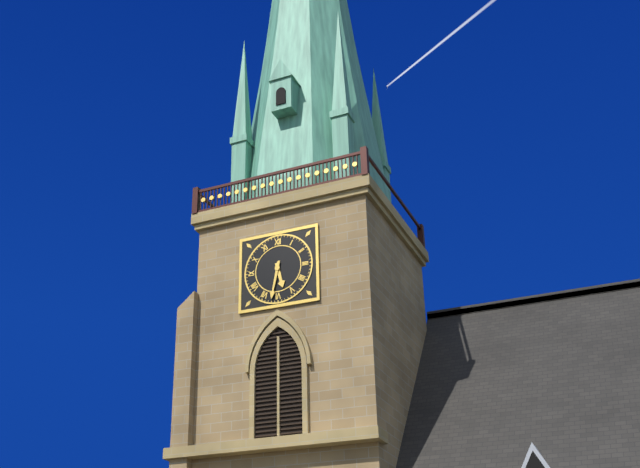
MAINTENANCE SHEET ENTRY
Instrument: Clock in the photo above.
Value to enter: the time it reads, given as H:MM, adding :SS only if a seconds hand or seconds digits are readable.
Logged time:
5:32
